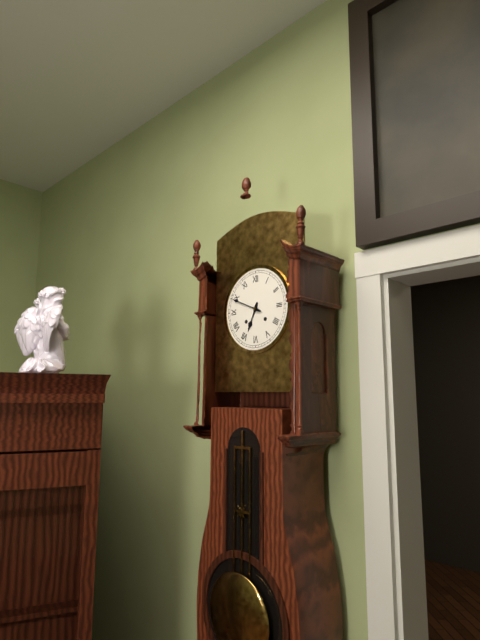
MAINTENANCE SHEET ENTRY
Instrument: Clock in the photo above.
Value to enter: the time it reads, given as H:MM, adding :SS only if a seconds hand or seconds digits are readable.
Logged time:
6:49
